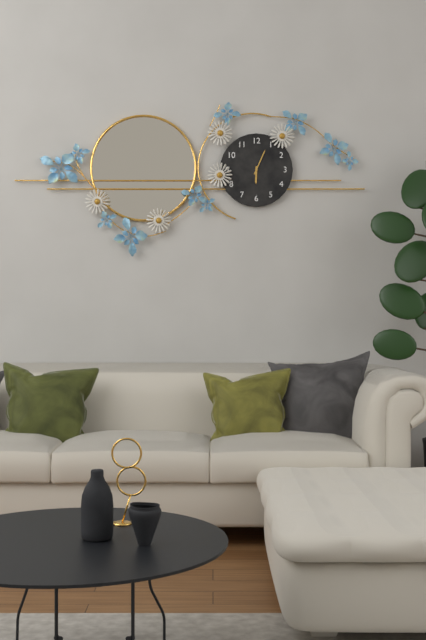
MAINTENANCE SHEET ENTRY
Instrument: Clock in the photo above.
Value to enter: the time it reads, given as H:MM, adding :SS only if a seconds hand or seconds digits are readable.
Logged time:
6:04
